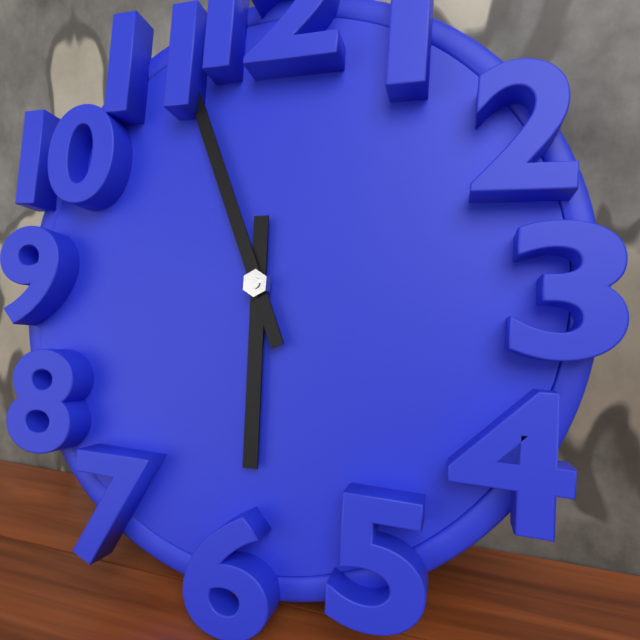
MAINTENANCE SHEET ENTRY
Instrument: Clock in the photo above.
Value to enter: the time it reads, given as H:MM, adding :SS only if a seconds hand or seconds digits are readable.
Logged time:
5:56
